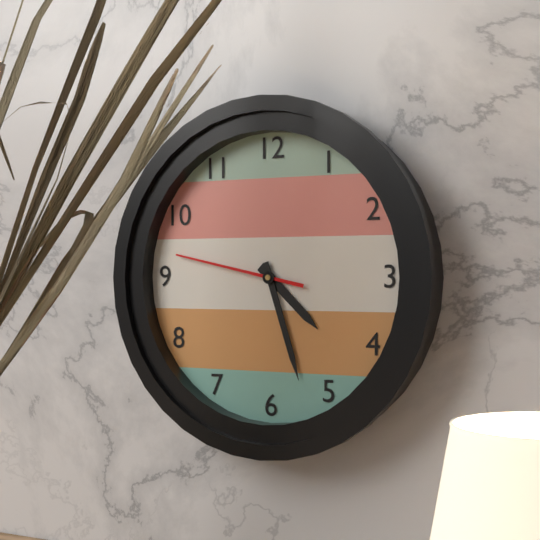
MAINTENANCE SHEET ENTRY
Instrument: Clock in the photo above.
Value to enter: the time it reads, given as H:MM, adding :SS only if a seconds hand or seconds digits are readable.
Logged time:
4:27:47
